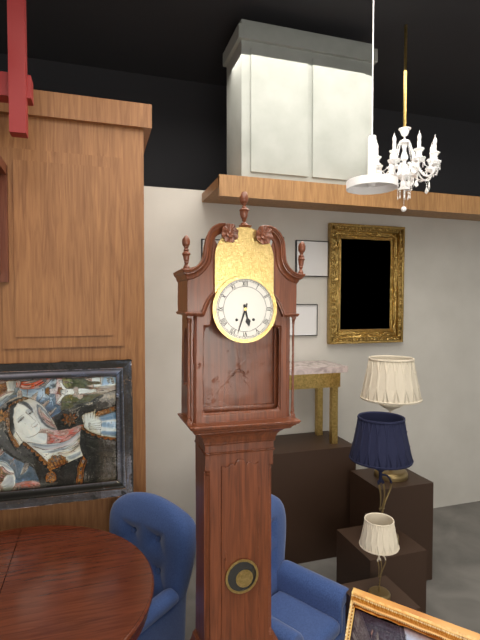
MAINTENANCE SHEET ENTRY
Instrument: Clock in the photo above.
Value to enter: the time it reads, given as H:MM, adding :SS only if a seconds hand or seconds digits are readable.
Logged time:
5:33
